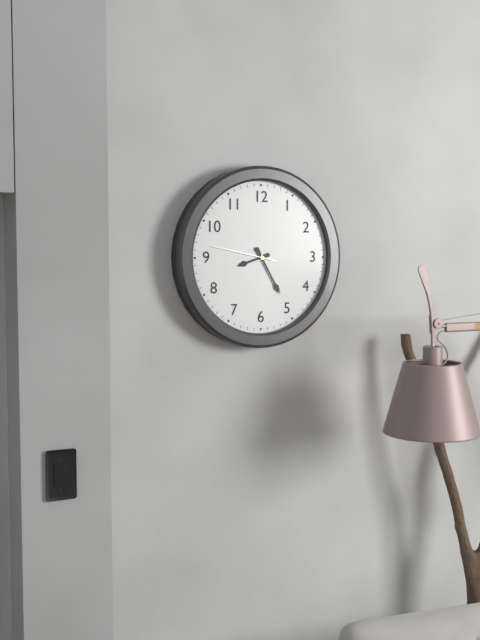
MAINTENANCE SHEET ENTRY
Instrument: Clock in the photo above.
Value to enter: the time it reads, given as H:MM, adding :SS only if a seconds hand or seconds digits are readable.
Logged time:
8:25:47
